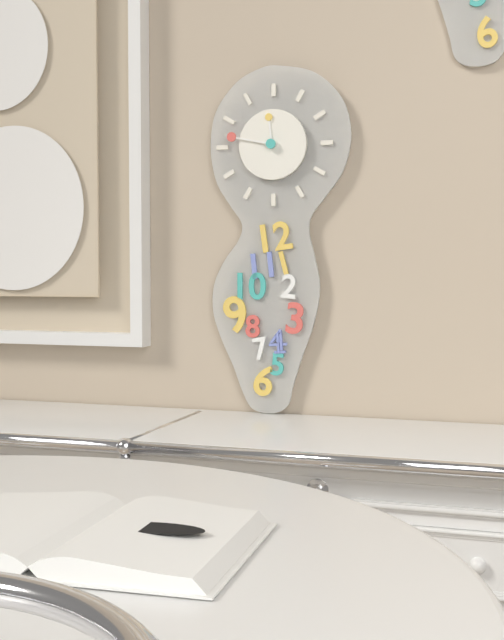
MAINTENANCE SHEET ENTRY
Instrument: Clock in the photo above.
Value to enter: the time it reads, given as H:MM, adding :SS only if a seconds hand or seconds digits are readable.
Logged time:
11:47
